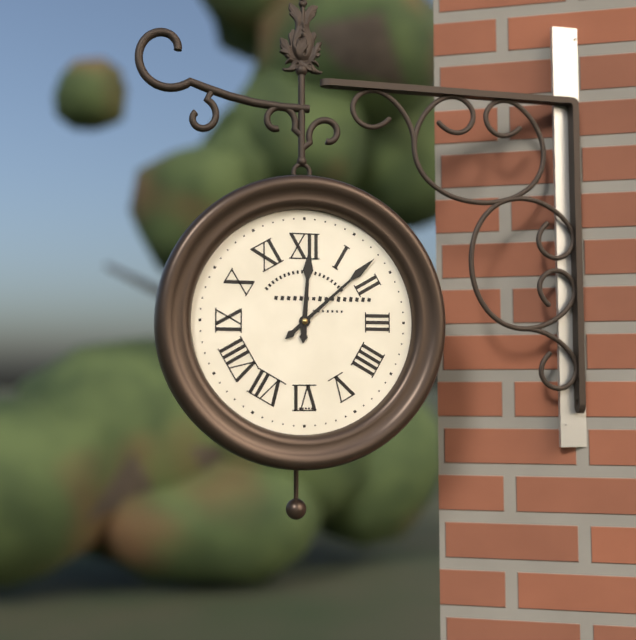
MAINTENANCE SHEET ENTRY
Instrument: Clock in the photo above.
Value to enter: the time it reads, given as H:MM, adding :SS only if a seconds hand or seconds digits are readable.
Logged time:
12:08
